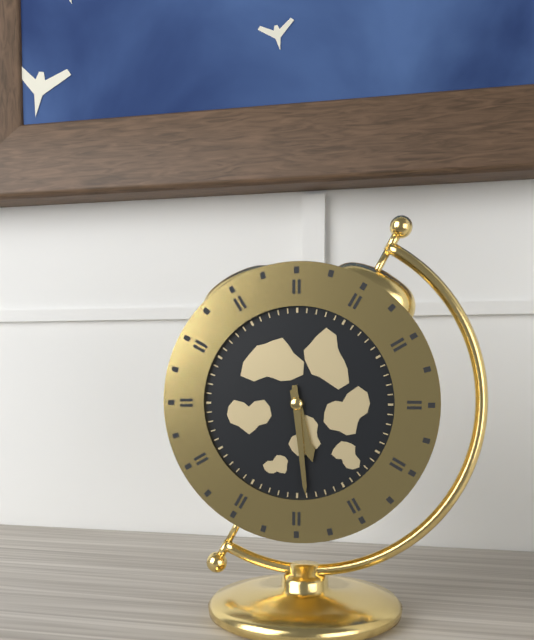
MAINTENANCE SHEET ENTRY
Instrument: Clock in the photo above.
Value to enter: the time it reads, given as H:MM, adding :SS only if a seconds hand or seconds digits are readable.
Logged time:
5:29
